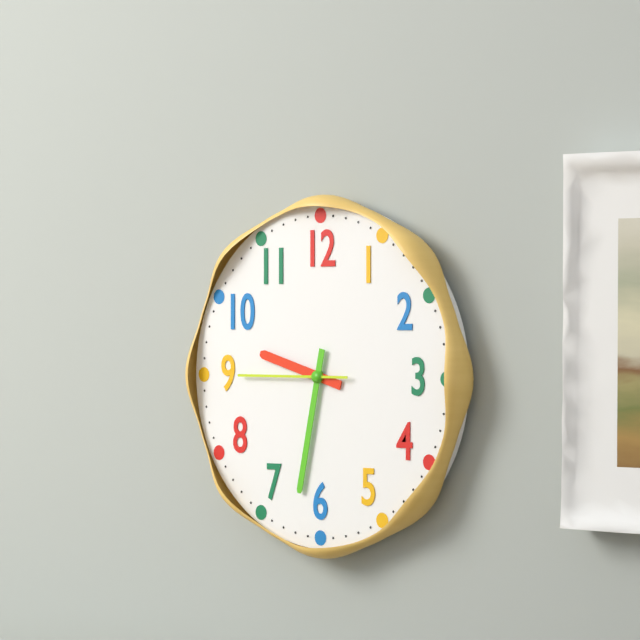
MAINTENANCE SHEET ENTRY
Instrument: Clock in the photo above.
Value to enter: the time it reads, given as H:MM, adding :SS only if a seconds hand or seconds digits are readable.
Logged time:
9:32:45
